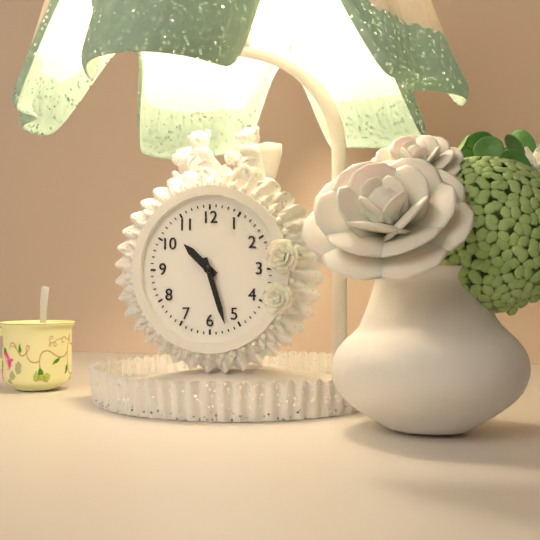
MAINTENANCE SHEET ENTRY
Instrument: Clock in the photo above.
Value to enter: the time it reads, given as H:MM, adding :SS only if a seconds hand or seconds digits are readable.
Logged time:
10:27
